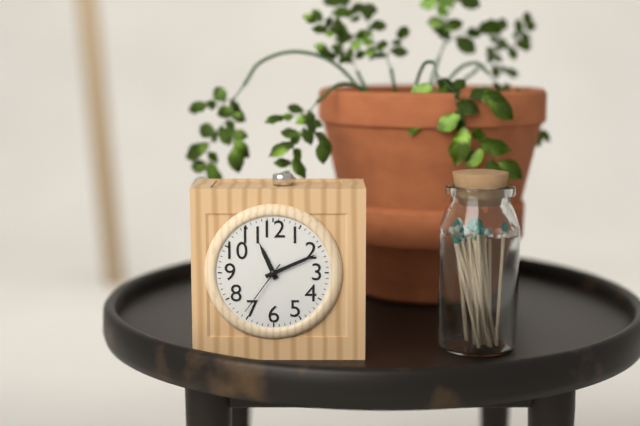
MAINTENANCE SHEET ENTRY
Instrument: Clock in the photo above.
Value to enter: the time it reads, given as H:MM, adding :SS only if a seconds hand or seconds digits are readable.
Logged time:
11:11:36
